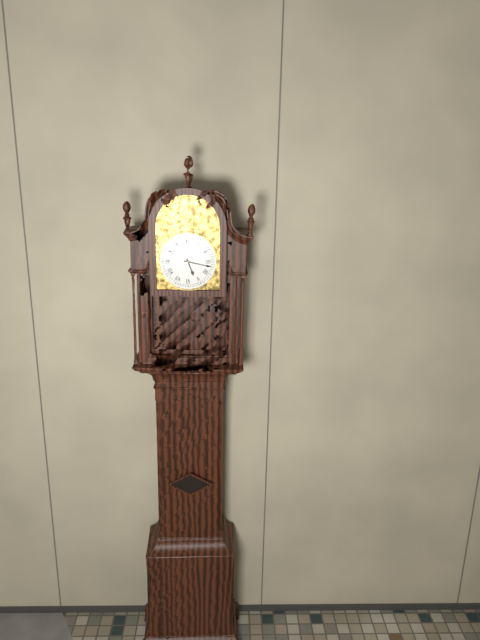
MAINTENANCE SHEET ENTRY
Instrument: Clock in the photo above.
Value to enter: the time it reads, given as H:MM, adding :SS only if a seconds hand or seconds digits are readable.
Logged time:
5:17
